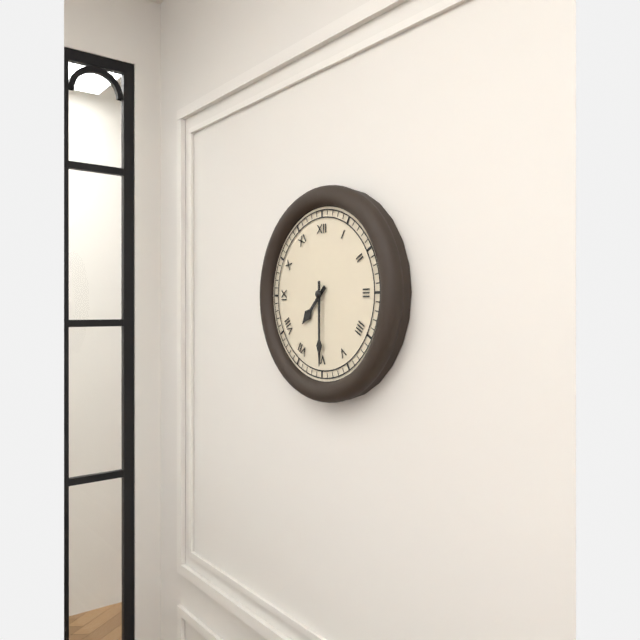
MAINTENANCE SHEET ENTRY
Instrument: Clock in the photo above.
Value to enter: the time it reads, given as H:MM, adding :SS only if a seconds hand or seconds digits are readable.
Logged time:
7:30
